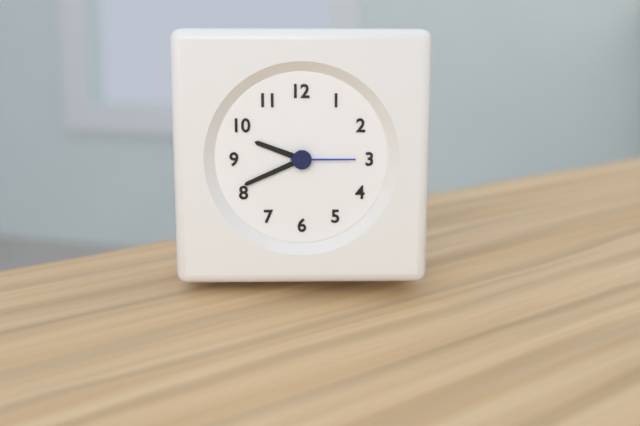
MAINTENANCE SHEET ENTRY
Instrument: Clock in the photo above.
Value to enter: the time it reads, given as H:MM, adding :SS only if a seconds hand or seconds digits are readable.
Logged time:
9:41:15
